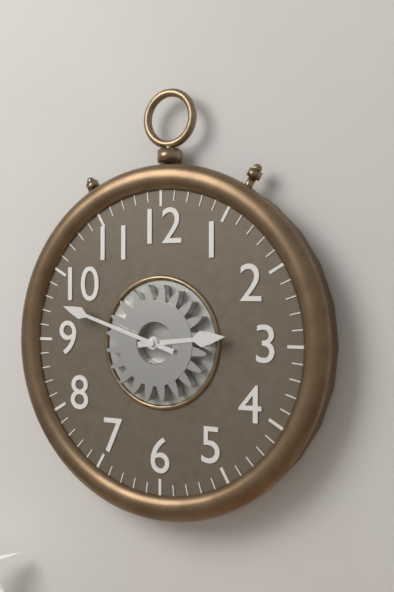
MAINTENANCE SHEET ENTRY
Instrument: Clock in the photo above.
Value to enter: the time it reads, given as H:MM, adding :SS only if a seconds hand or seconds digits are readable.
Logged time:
2:48
